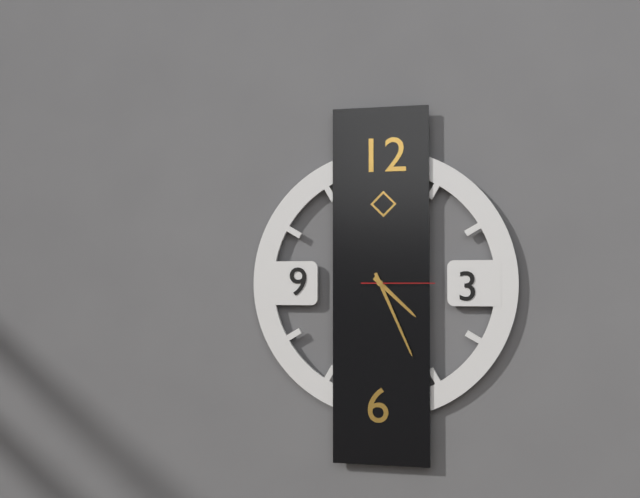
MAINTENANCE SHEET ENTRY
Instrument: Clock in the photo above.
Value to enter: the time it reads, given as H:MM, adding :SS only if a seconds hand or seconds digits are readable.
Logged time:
4:26:15
